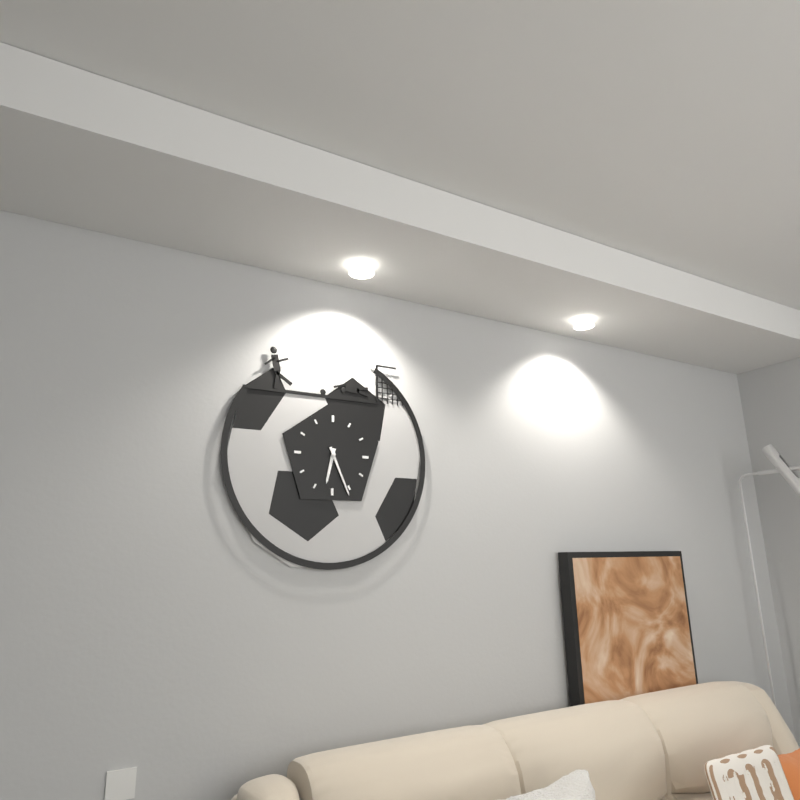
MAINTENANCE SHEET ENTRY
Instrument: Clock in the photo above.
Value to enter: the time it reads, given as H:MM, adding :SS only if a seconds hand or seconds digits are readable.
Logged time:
6:26
